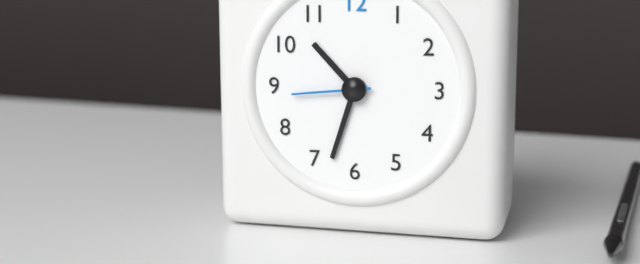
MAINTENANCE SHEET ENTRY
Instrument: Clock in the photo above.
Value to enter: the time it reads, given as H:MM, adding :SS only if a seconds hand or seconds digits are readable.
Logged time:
10:33:44
